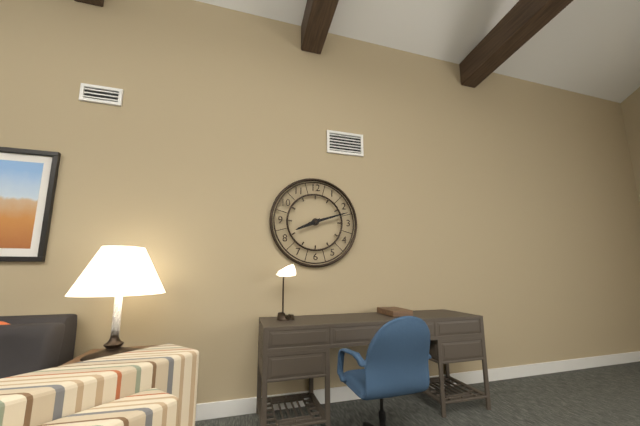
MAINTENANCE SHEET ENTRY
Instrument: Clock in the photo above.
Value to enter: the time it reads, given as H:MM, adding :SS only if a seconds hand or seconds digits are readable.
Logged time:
8:12
